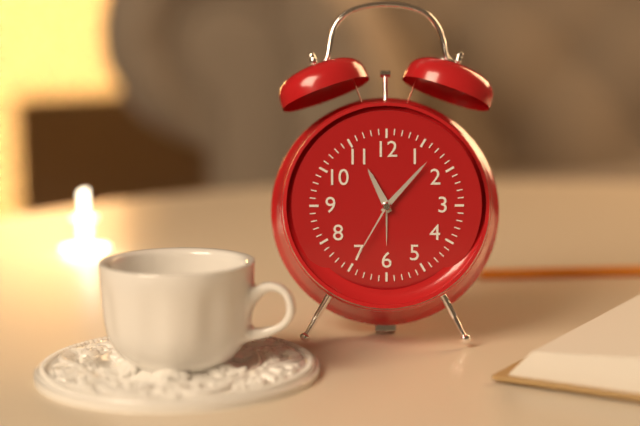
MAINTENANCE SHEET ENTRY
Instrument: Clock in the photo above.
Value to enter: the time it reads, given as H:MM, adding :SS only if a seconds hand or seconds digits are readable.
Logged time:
11:07:35
